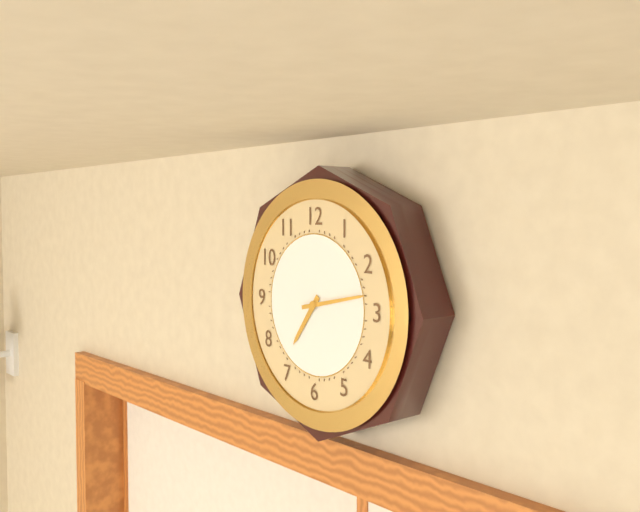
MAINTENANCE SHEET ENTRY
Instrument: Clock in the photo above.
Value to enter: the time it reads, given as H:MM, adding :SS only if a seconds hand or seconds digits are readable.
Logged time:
7:13
